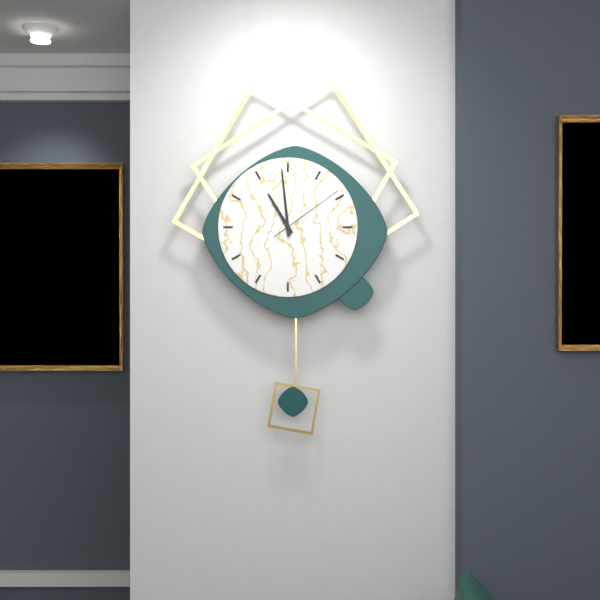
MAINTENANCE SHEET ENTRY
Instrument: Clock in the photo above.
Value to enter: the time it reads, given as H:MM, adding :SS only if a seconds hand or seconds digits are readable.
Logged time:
10:59:09
